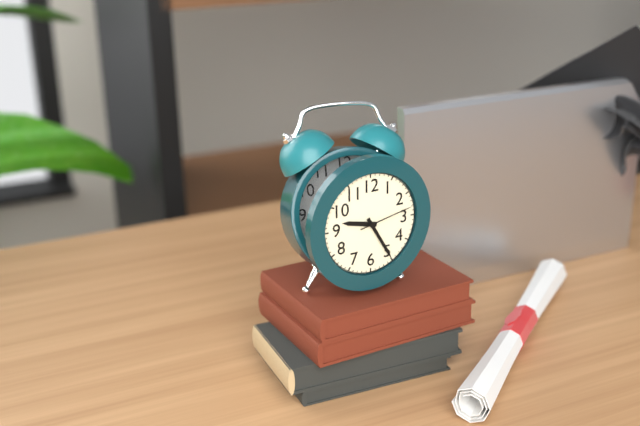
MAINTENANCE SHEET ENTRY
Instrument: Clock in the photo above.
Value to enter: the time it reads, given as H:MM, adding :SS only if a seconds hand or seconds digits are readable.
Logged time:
9:25:13
